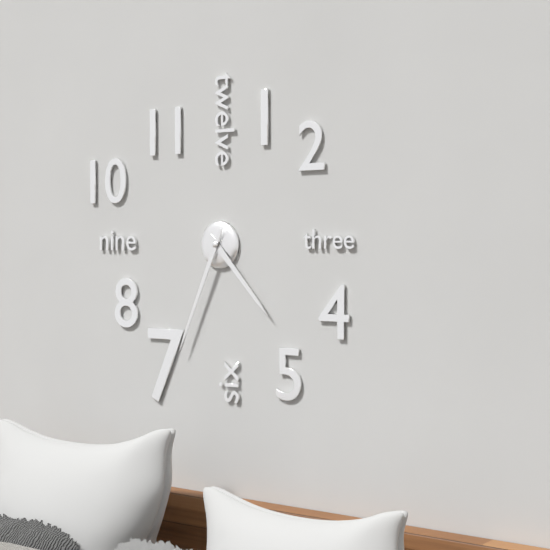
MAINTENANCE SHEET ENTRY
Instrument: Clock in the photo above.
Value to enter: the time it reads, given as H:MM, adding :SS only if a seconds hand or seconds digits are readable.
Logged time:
4:34
